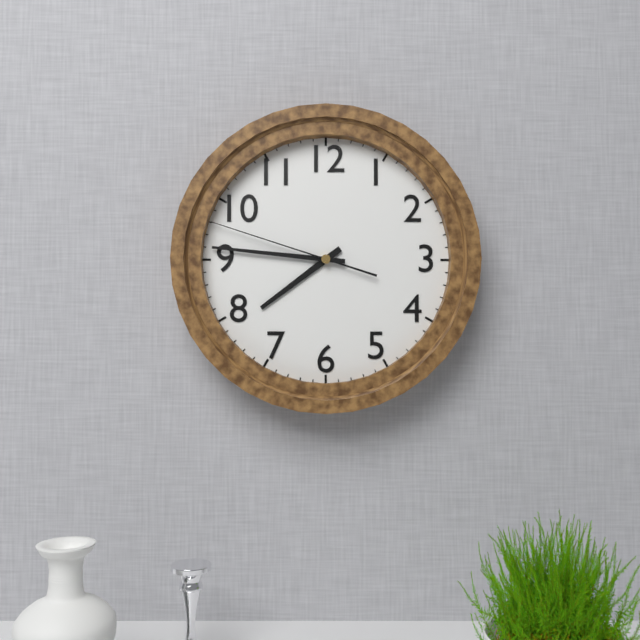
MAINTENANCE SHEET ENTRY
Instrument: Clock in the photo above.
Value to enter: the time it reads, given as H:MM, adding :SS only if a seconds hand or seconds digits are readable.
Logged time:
7:46:48
